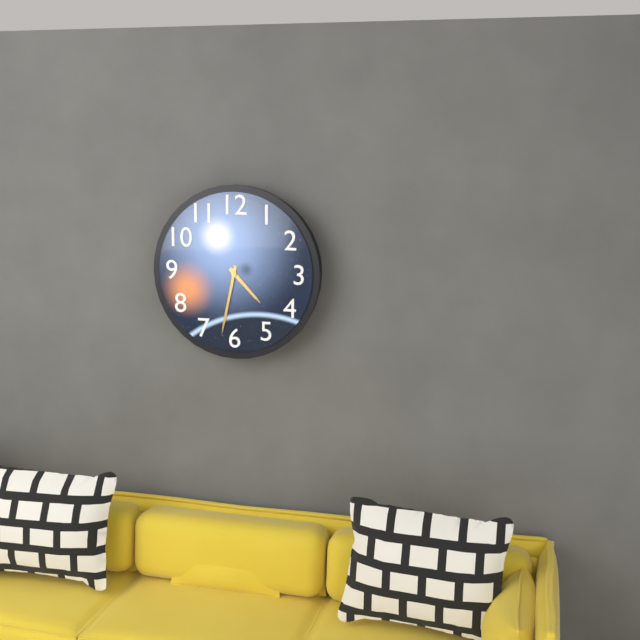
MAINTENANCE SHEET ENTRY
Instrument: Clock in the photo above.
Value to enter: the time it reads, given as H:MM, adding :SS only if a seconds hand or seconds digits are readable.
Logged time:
4:32
